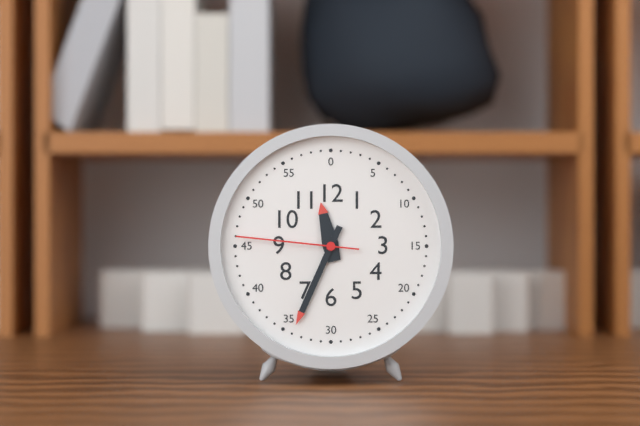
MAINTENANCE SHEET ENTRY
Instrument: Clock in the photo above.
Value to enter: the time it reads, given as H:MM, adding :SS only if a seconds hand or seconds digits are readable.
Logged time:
11:34:46
